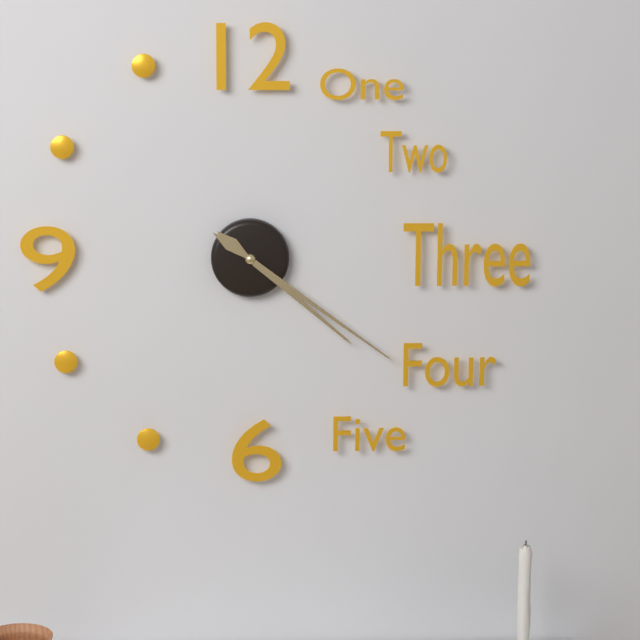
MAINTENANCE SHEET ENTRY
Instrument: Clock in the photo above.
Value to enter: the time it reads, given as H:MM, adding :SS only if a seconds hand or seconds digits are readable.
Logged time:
4:21
